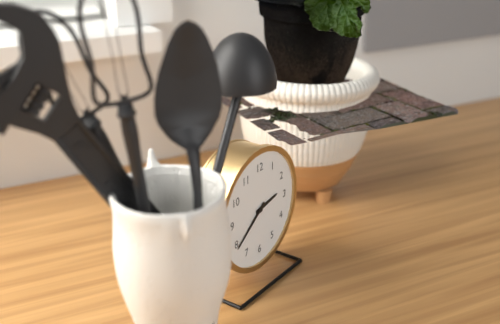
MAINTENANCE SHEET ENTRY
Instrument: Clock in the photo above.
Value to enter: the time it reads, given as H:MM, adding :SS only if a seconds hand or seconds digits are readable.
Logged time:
2:39
